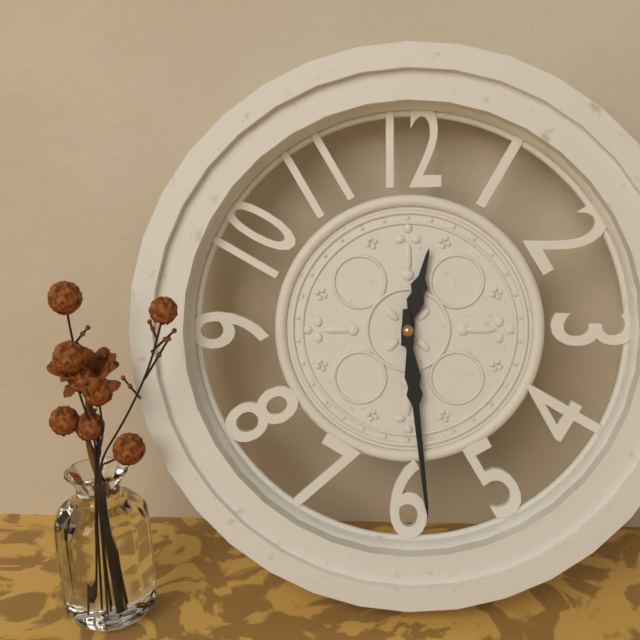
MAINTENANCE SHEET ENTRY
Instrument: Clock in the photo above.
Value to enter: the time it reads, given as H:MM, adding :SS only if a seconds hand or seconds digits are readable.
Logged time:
12:29
